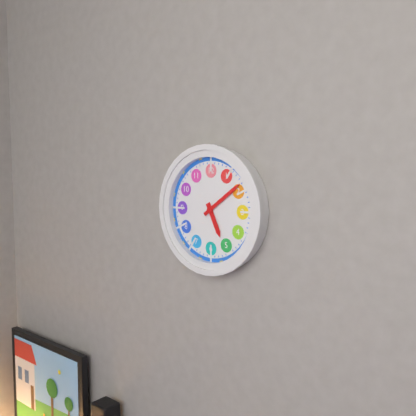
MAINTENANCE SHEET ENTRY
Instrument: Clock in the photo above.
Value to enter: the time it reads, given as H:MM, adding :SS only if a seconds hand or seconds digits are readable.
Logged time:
5:09
